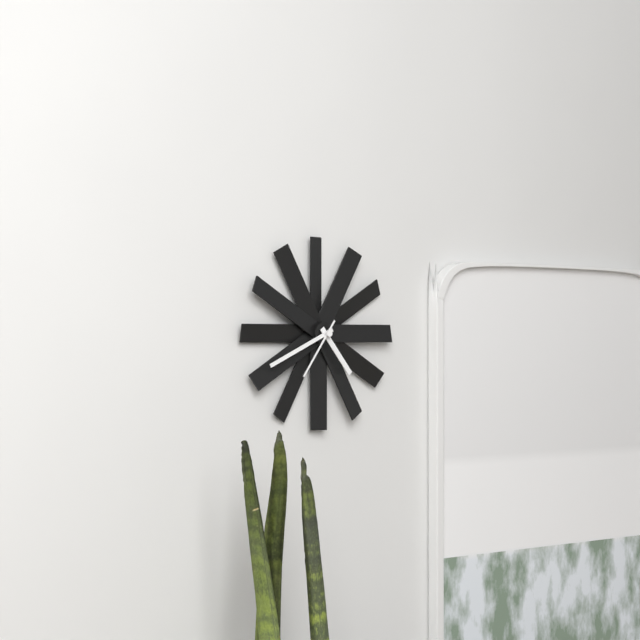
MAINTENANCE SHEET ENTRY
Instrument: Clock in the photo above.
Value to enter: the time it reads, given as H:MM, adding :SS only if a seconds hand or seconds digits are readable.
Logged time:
4:41:36
